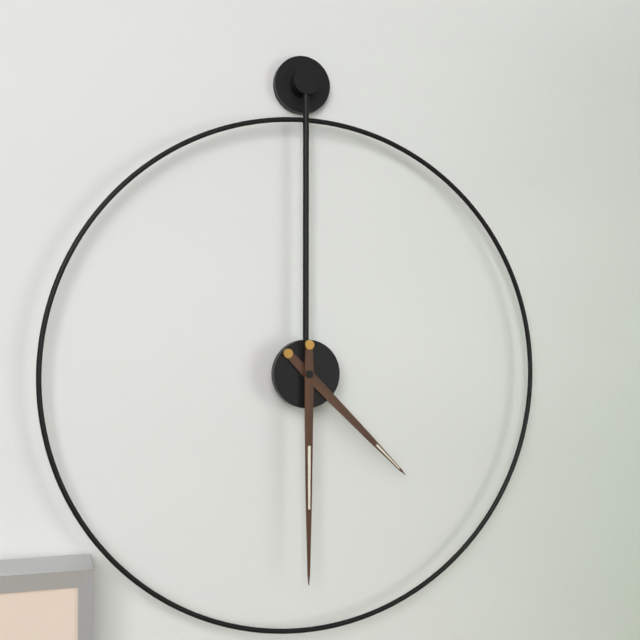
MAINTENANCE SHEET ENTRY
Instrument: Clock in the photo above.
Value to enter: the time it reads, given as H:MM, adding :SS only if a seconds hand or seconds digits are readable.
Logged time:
4:30
